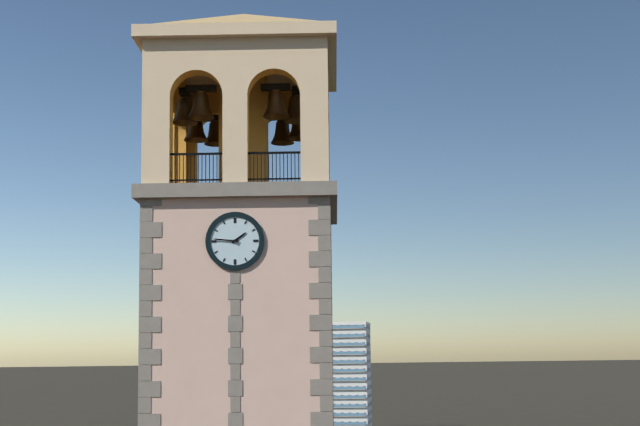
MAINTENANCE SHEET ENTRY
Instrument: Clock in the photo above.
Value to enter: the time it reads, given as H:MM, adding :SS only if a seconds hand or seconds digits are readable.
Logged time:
1:46
